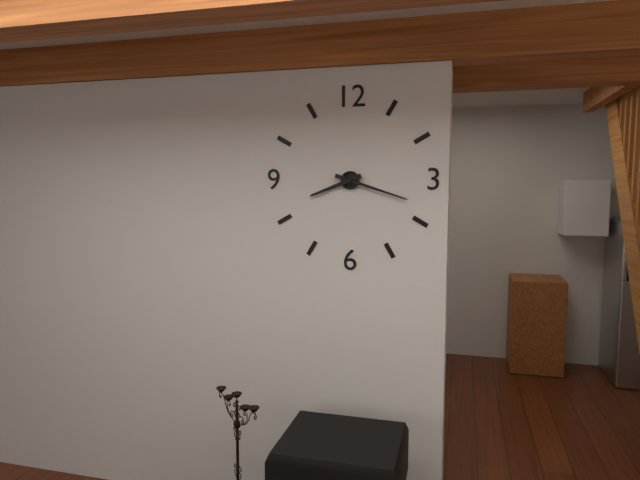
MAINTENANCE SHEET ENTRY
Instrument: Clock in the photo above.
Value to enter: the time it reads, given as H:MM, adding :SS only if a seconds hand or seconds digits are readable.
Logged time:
8:18
